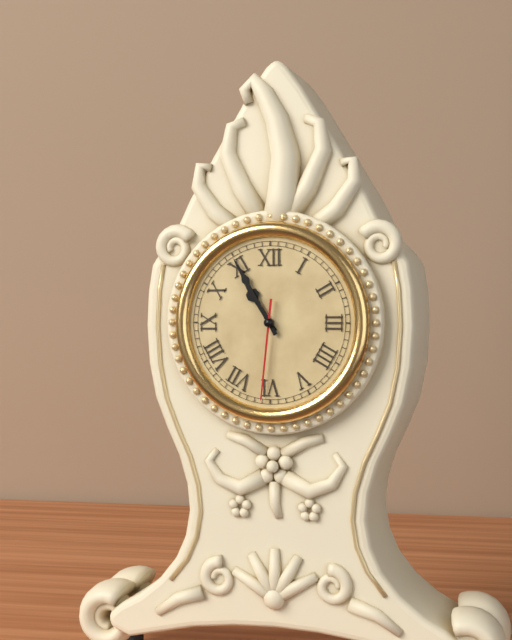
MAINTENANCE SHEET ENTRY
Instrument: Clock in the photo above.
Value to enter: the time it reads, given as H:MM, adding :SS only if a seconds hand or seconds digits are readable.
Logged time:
10:55:31
